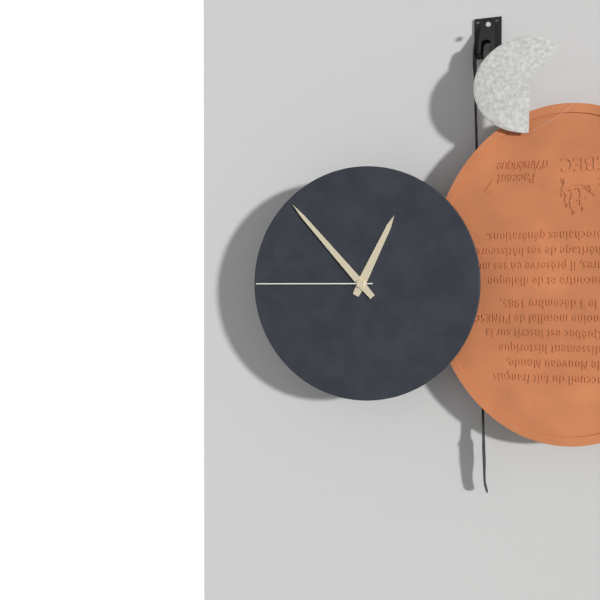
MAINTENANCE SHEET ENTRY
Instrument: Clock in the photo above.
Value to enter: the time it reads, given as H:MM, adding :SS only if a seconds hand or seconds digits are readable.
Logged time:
12:53:45
